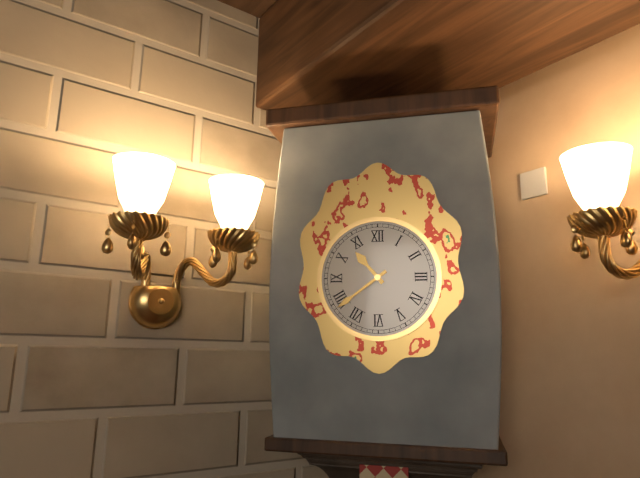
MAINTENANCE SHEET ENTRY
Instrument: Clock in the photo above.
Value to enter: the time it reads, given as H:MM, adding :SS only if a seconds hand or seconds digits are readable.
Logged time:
10:39
